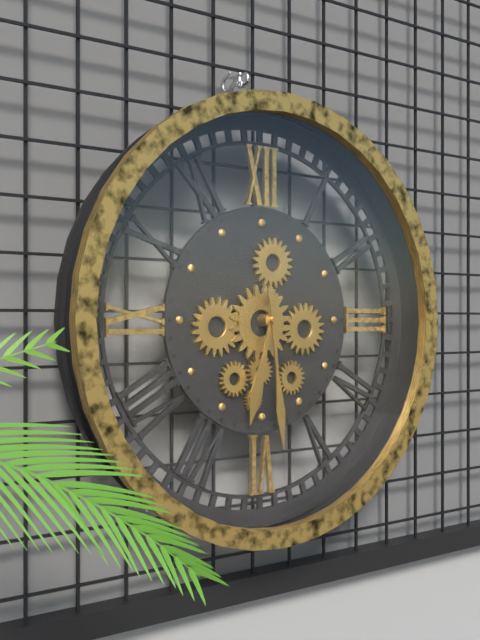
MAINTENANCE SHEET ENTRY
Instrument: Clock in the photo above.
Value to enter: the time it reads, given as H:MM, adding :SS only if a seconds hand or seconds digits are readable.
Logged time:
6:29
